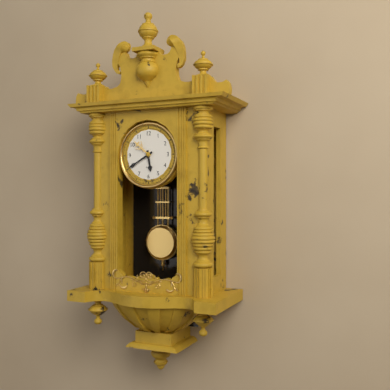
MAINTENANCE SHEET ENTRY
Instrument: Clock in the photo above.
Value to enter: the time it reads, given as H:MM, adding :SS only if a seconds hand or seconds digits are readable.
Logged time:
5:40
